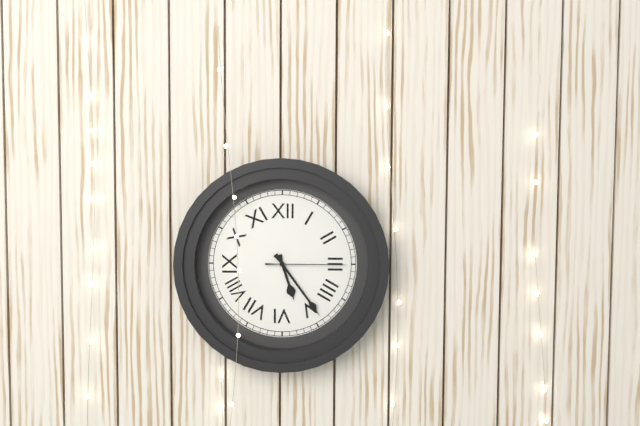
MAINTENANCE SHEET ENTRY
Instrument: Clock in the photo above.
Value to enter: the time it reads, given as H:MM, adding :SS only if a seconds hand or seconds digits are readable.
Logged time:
5:24:15
